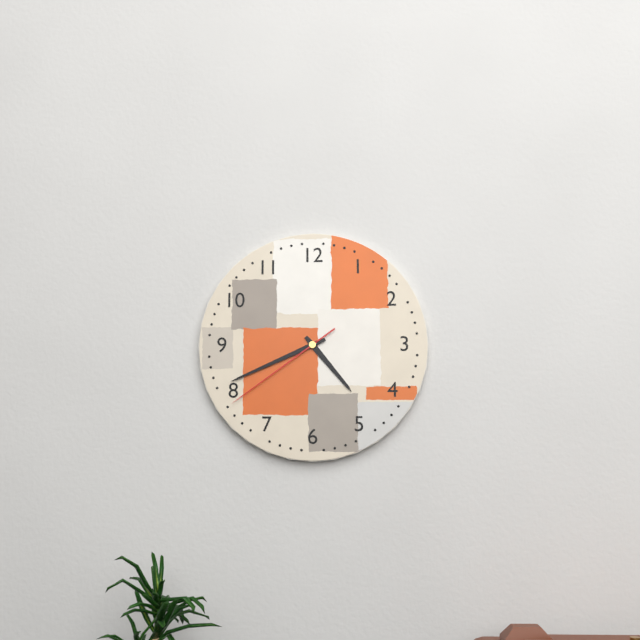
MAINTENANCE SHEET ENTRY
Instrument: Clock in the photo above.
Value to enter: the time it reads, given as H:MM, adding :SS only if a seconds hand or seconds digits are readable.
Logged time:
4:41:39
